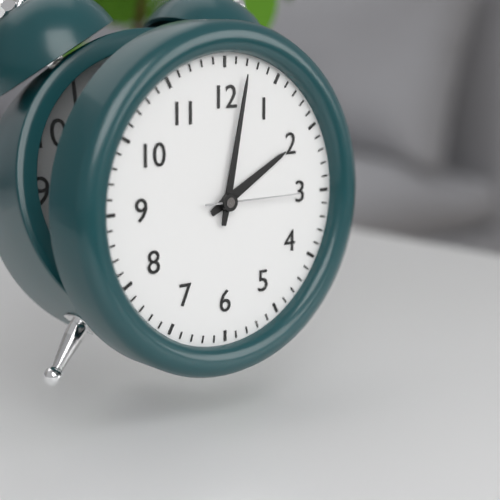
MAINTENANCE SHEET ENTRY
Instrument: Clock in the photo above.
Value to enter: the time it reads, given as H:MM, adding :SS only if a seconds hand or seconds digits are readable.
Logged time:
2:02:15
